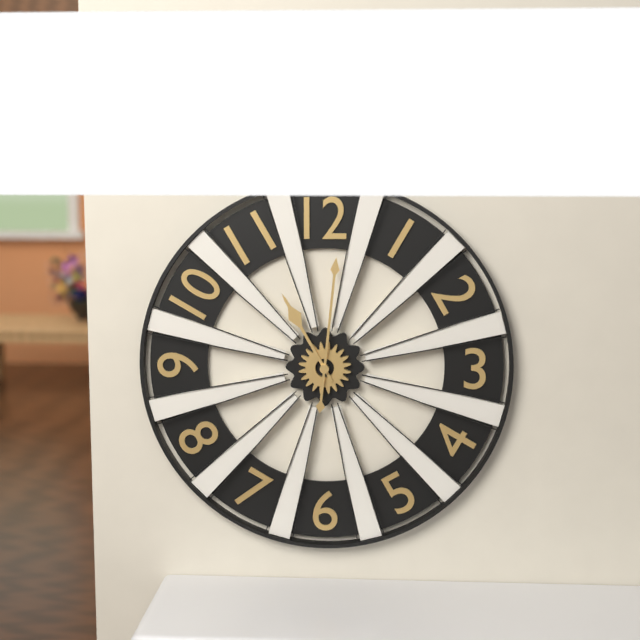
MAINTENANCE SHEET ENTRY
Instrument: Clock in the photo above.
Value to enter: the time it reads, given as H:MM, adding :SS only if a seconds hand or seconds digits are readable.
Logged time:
11:01
